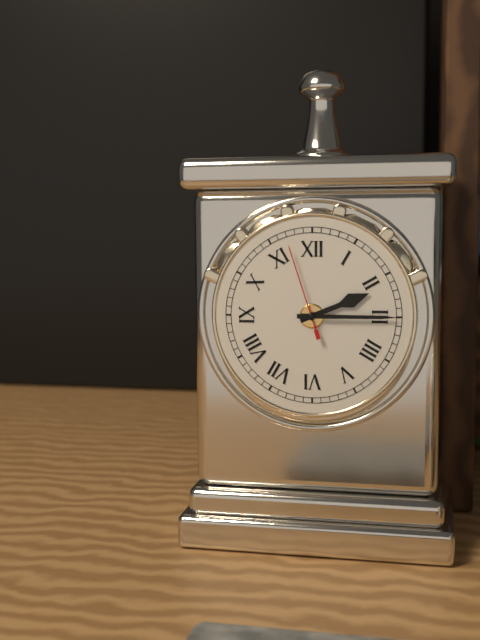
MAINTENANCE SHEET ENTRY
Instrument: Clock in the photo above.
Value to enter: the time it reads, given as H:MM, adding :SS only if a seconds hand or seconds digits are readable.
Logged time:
2:15:57
